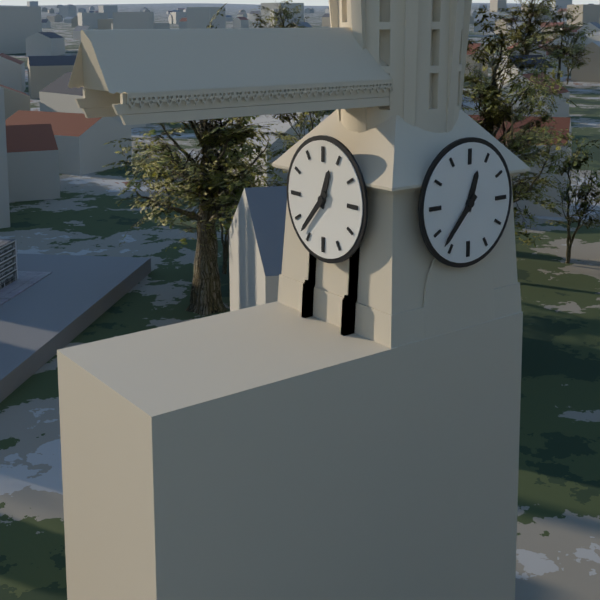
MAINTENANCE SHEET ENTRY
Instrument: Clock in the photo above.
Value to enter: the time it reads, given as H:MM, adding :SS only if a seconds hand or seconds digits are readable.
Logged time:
12:37
